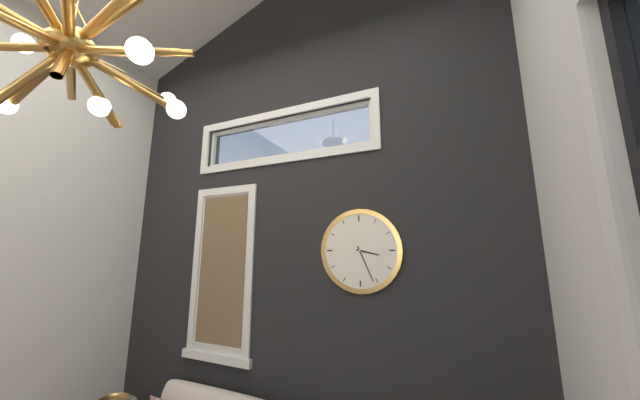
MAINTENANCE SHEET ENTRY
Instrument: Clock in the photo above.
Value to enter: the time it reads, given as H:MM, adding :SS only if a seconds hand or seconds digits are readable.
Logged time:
3:26
